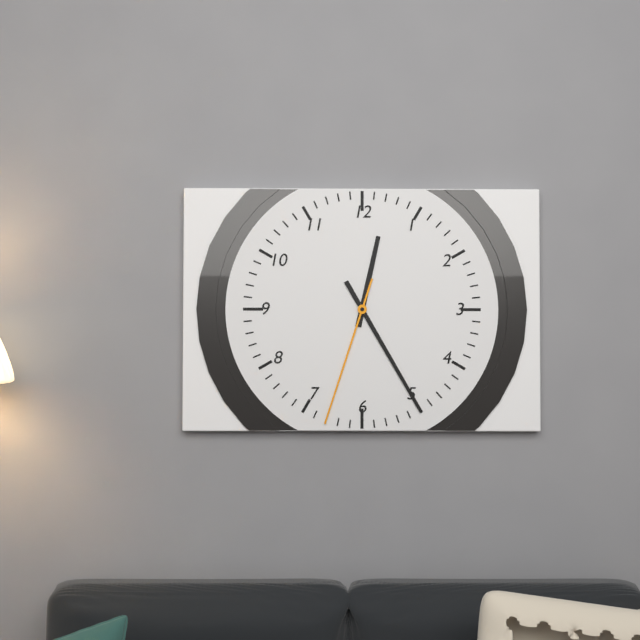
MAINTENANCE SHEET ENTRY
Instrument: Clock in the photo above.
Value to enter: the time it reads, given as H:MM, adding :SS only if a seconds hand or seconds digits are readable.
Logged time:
12:25:33
